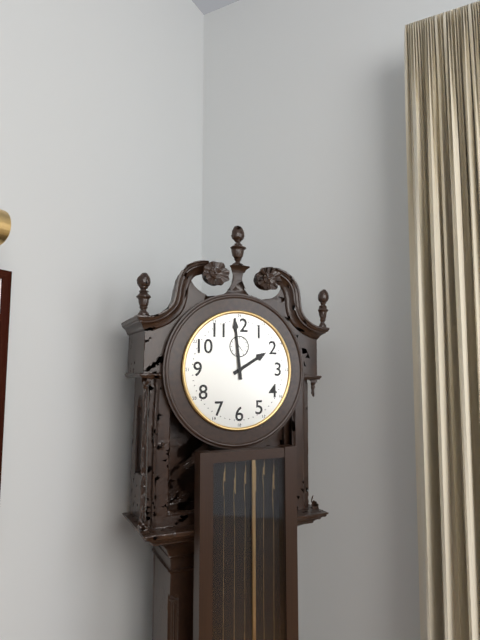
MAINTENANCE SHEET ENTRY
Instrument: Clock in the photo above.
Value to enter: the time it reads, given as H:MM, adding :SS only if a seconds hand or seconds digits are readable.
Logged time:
1:59
